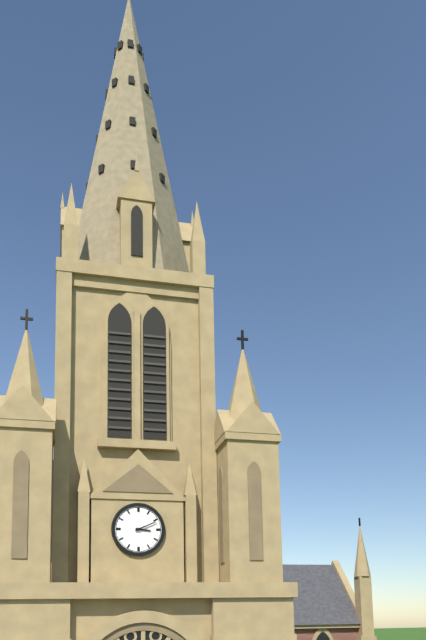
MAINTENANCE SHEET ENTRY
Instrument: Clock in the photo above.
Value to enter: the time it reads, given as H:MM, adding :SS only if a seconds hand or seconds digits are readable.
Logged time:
3:11
